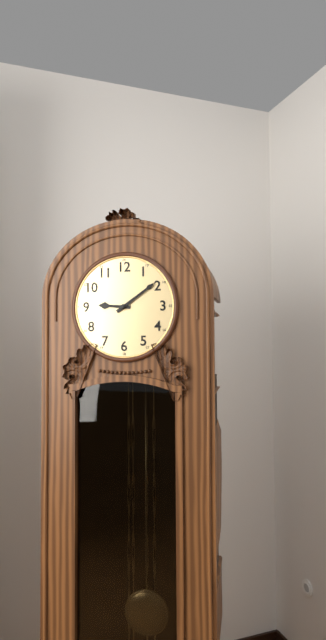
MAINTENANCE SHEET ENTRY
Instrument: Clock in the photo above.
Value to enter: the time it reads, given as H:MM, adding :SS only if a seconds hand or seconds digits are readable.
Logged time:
9:09
